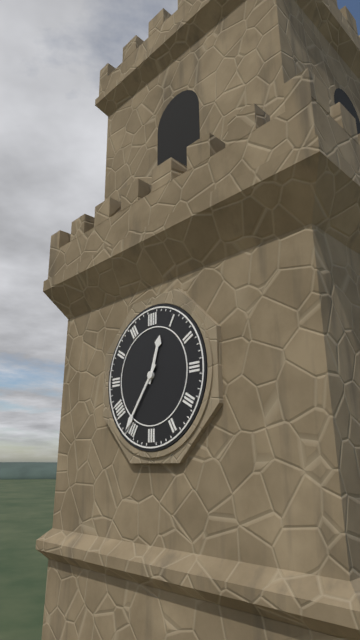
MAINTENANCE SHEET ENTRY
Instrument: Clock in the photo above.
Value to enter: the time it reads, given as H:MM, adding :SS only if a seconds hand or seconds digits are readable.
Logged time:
12:36
